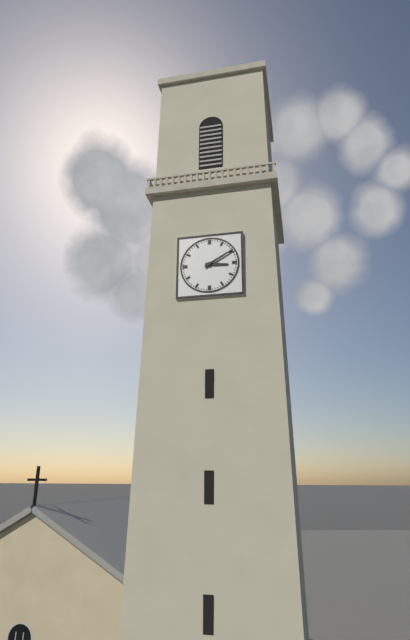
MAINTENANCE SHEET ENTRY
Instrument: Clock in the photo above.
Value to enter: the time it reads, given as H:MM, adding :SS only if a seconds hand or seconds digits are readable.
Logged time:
3:10
